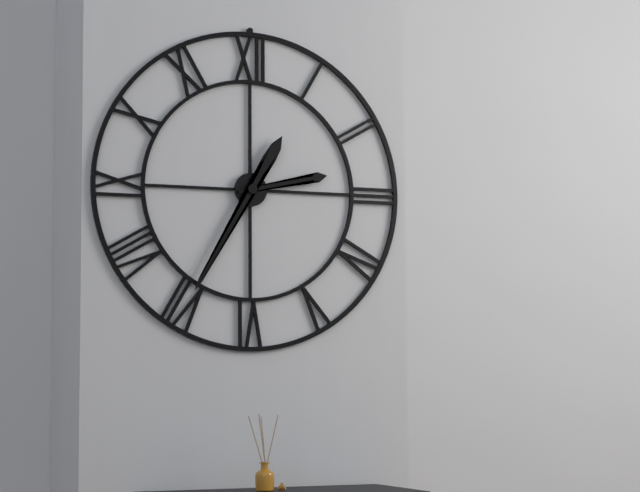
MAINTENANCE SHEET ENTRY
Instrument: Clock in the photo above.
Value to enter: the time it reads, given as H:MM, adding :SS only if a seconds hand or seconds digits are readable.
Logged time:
2:35
